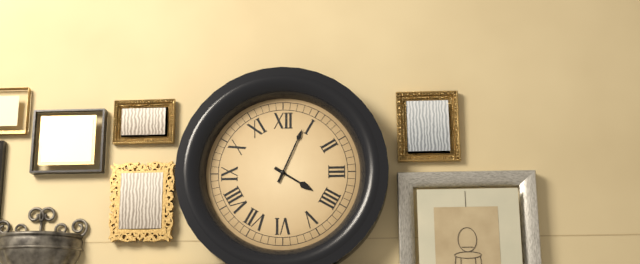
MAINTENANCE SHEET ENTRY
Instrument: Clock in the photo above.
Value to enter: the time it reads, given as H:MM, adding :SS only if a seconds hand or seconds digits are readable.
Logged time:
4:04
